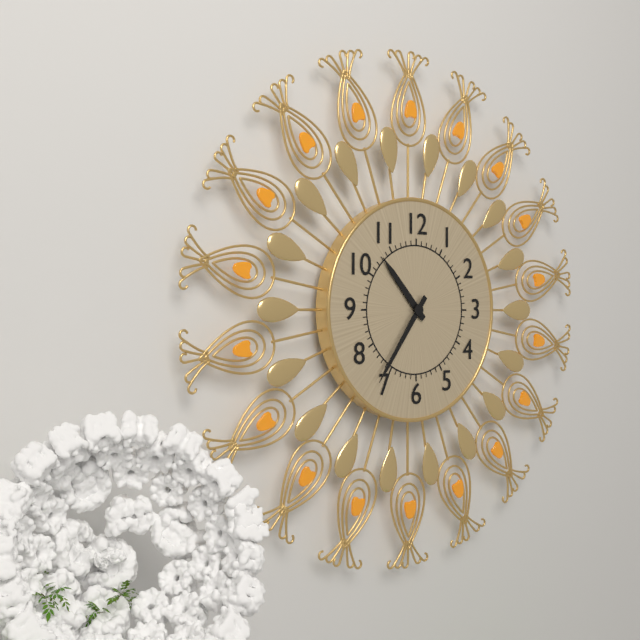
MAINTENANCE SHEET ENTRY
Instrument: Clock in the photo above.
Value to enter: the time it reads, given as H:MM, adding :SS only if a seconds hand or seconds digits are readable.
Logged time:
10:36
